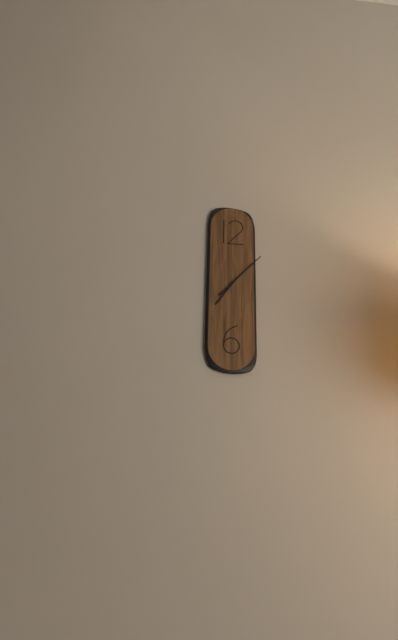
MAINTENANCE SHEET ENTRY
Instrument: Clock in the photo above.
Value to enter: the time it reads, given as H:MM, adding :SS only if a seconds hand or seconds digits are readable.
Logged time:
7:07
